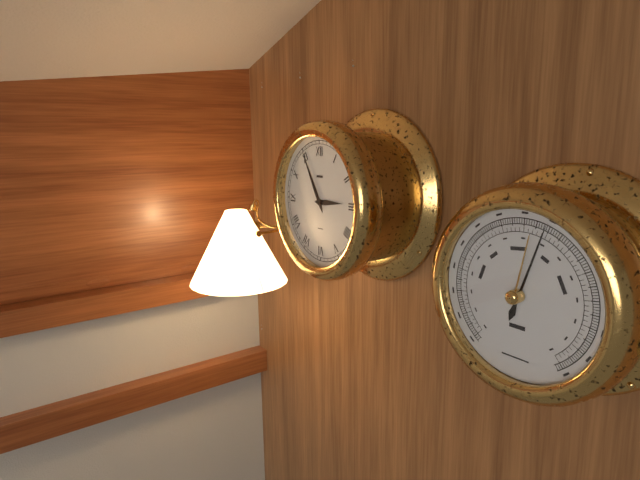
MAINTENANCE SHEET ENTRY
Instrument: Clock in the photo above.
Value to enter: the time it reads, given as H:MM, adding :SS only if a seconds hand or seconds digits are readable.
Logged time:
2:55
